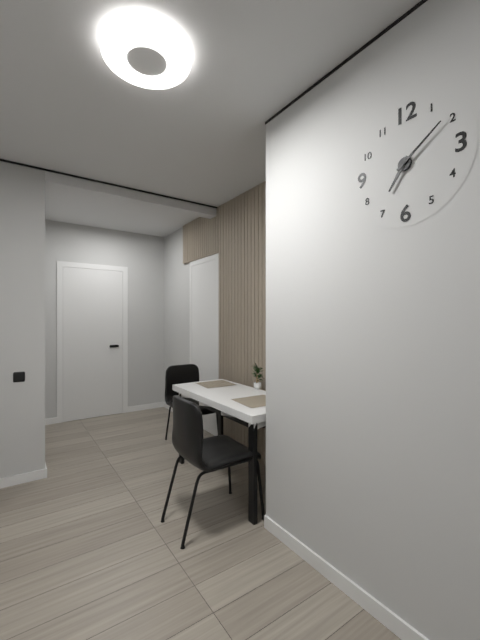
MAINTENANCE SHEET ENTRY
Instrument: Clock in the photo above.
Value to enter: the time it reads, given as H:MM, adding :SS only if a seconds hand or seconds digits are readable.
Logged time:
7:09
